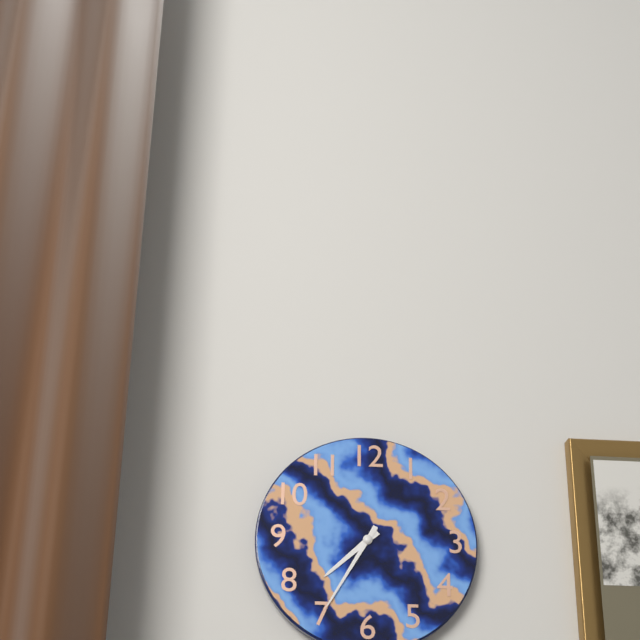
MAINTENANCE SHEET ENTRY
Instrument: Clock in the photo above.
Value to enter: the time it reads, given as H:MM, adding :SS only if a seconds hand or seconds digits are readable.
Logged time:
7:35
